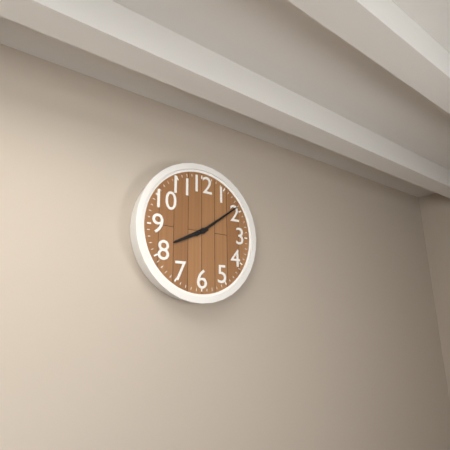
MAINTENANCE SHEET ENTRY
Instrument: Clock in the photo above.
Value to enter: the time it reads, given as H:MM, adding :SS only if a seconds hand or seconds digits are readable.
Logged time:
8:09
